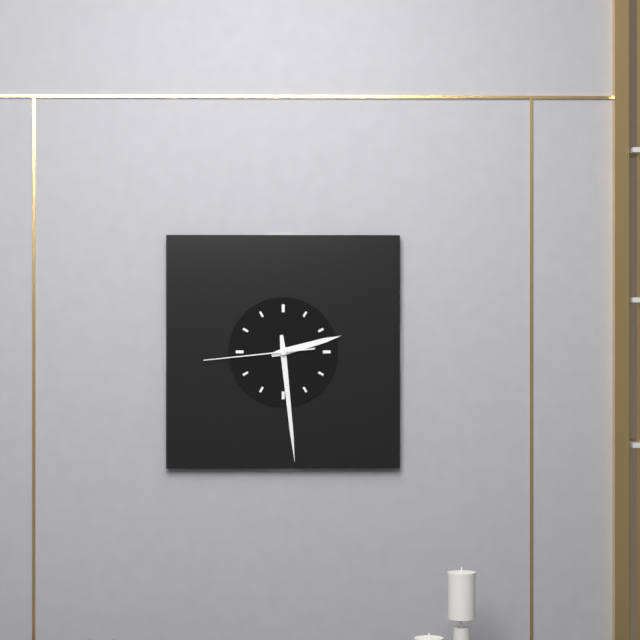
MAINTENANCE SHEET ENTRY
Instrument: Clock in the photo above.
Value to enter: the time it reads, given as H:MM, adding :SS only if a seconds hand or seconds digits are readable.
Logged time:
2:29:44
